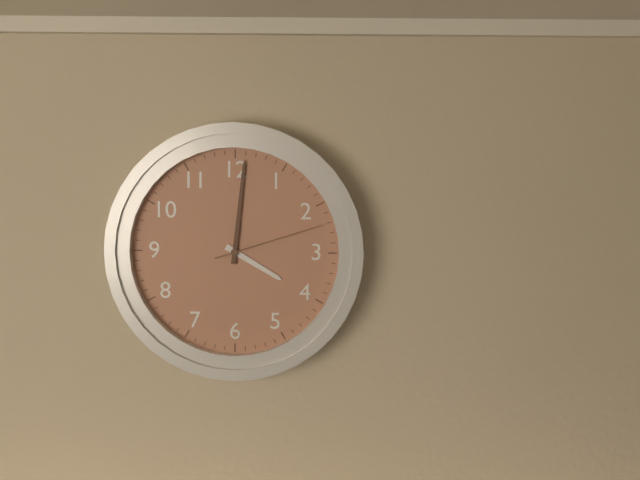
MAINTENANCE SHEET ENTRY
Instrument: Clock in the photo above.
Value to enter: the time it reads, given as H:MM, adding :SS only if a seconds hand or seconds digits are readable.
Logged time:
4:01:12
